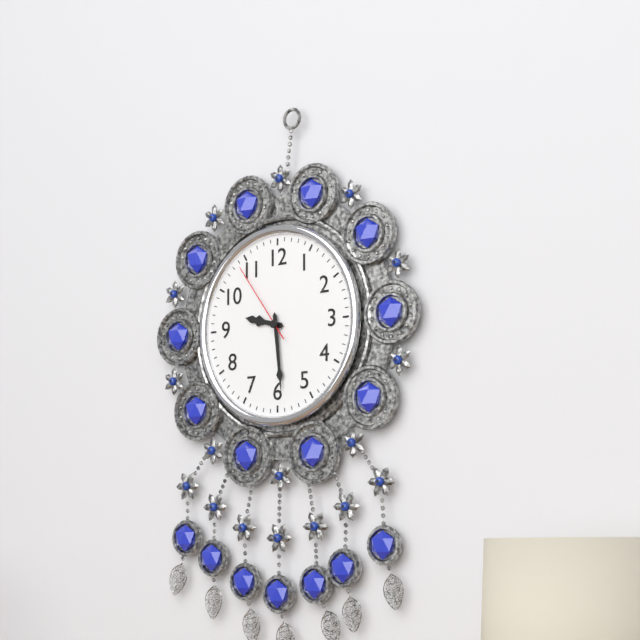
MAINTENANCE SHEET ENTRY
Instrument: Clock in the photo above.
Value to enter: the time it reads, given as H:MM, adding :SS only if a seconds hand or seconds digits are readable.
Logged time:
9:29:54
